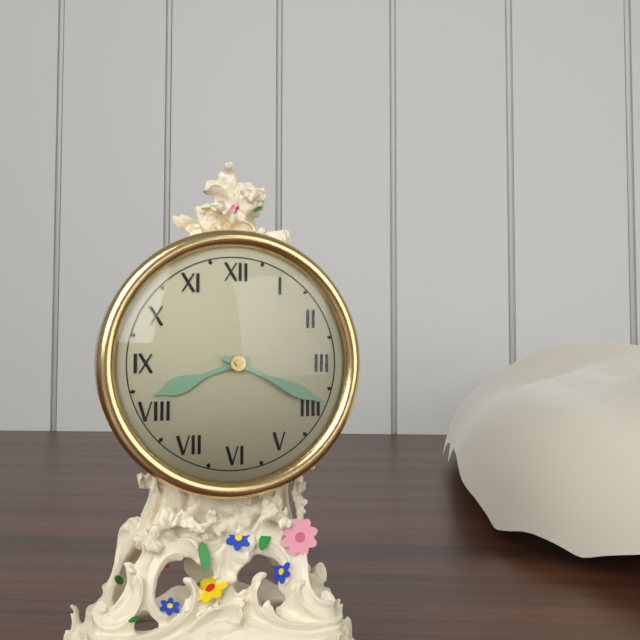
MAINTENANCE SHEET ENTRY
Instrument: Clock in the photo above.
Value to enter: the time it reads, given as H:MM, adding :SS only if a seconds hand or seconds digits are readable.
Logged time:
8:19
